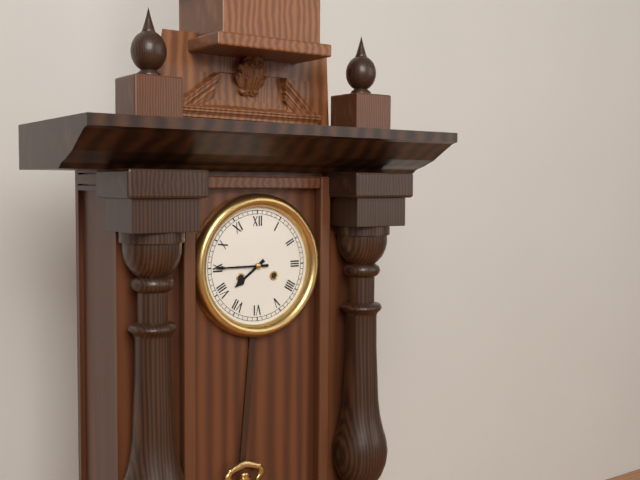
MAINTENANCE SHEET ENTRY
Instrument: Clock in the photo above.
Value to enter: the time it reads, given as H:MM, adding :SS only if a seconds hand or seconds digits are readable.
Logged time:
7:45
